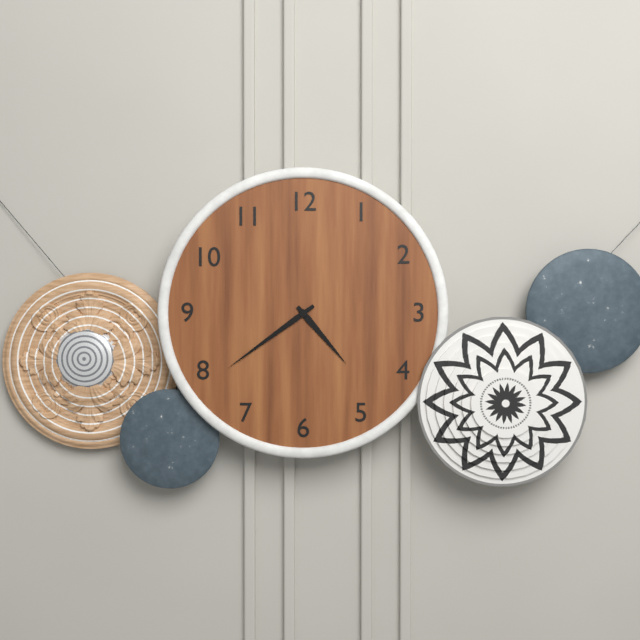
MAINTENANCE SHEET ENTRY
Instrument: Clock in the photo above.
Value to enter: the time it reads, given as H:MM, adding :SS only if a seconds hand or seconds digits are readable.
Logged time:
4:39
